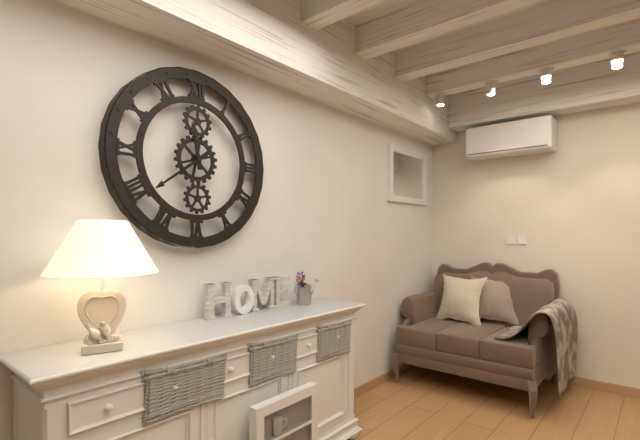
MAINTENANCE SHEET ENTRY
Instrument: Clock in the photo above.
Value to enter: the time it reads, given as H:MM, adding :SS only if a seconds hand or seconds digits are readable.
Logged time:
11:39
